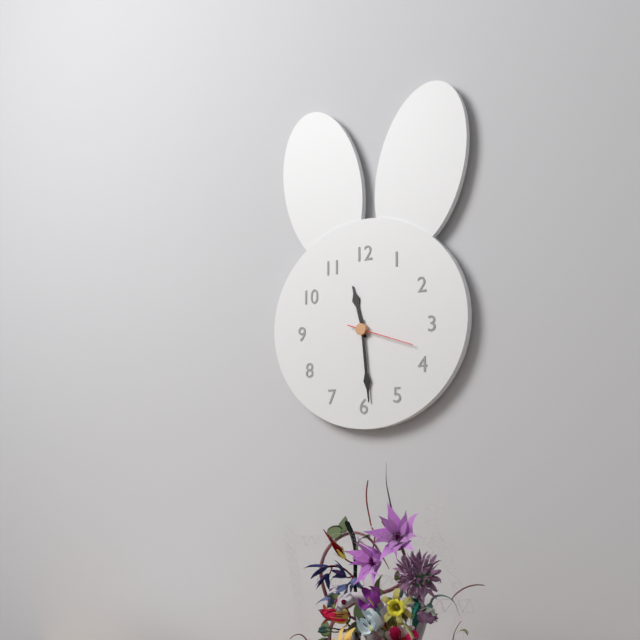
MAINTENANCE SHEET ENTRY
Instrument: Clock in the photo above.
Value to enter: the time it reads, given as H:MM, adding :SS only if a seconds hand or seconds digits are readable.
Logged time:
11:29:18
